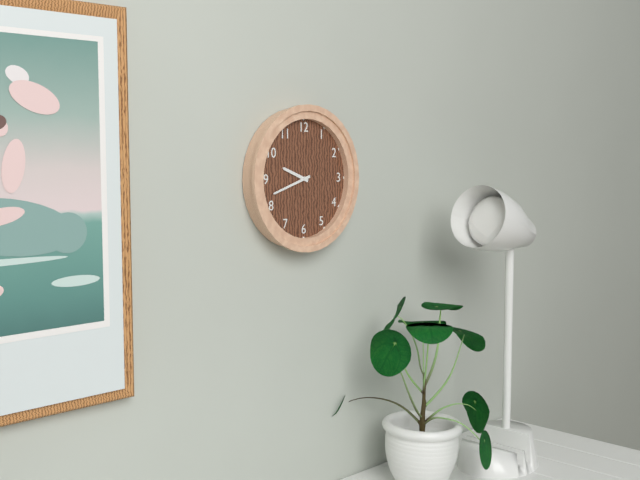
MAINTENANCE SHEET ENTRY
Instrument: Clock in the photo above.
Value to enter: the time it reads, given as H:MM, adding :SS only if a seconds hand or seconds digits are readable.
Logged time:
9:42
